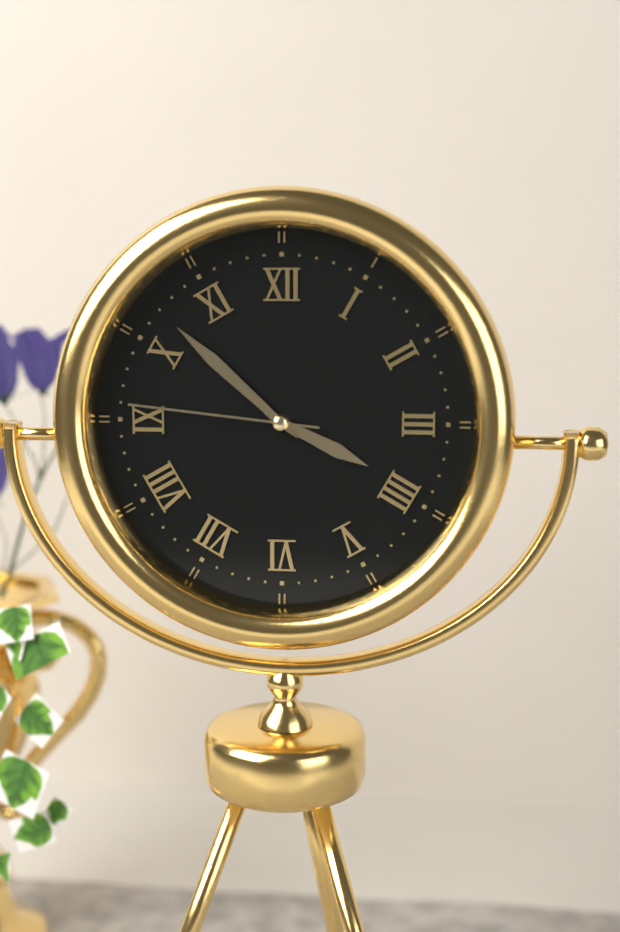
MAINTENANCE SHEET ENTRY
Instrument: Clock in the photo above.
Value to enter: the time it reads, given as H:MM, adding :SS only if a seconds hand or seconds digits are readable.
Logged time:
3:52:46
